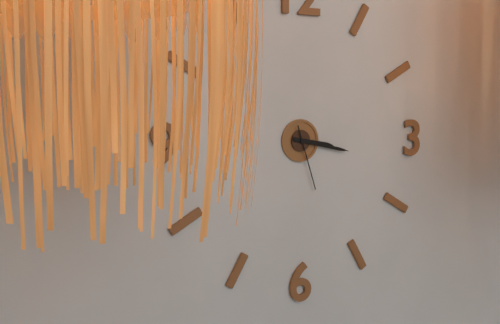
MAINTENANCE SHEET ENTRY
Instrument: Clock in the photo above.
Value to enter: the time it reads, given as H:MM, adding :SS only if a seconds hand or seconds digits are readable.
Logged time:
3:17:27
